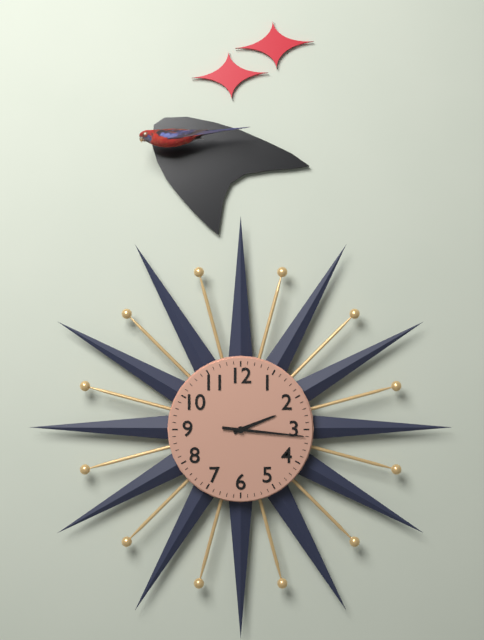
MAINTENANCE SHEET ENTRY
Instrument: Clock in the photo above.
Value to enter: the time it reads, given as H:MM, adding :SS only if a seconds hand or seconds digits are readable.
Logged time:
2:16
